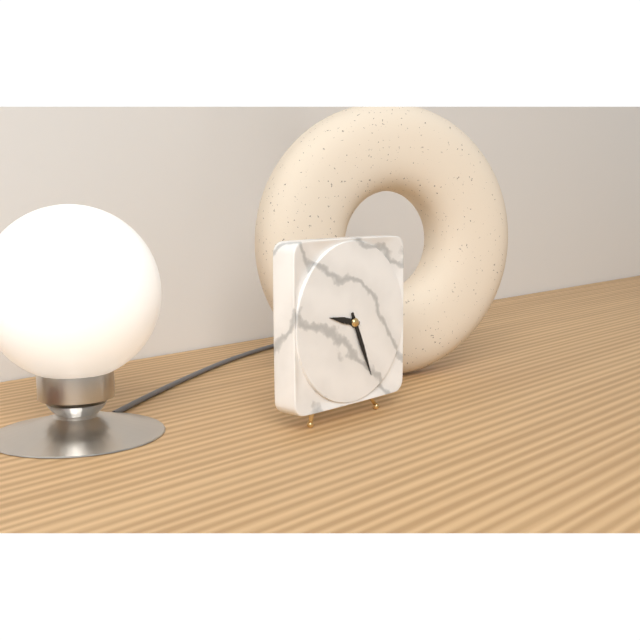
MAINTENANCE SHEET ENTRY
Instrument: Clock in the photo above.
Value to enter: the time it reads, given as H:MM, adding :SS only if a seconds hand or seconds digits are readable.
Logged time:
9:26
